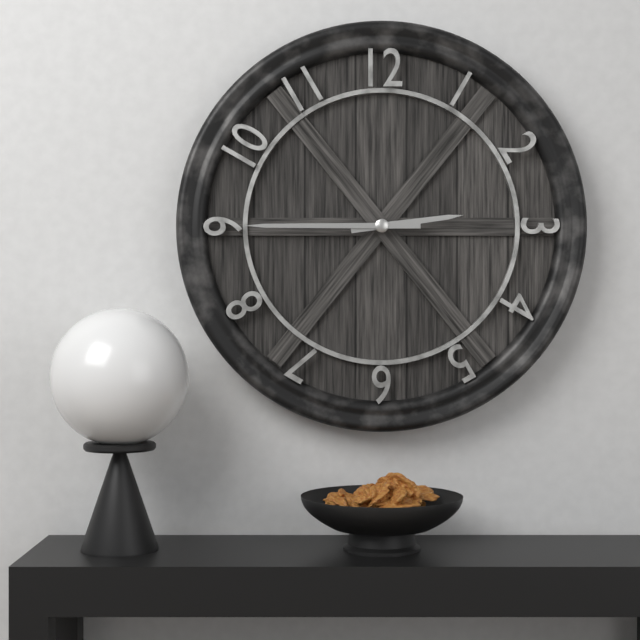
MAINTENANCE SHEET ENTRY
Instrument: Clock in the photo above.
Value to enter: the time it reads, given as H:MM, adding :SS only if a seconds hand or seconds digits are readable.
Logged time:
2:45
